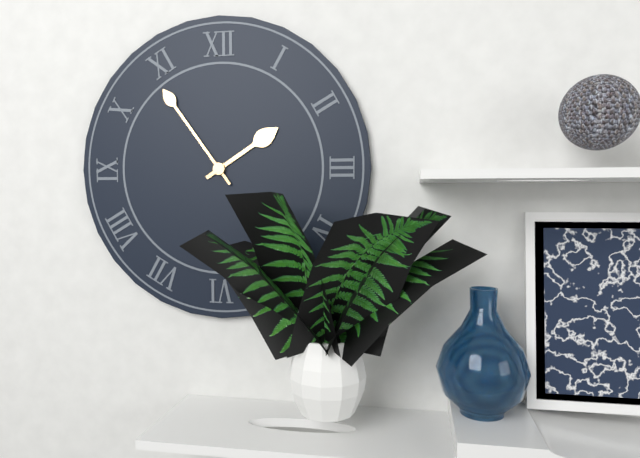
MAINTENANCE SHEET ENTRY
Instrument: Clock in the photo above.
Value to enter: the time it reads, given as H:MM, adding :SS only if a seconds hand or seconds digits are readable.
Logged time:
1:54
